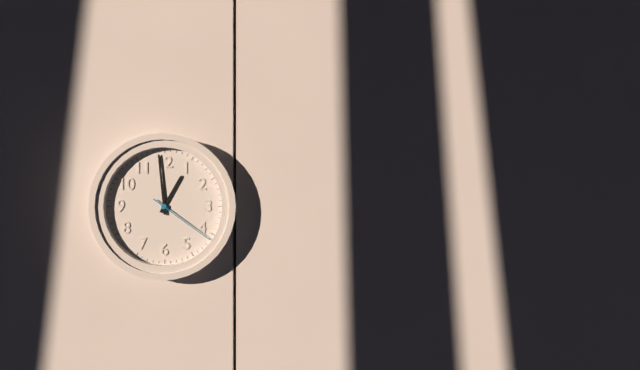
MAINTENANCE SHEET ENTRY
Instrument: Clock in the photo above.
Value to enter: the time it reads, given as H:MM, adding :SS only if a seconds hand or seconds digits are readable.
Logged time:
12:59:21
